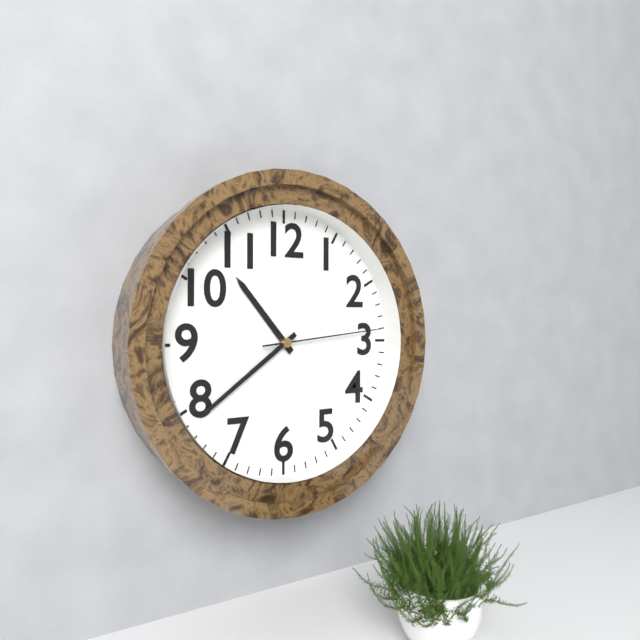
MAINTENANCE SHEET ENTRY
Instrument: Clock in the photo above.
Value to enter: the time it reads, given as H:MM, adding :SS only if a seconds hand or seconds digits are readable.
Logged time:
10:39:14
